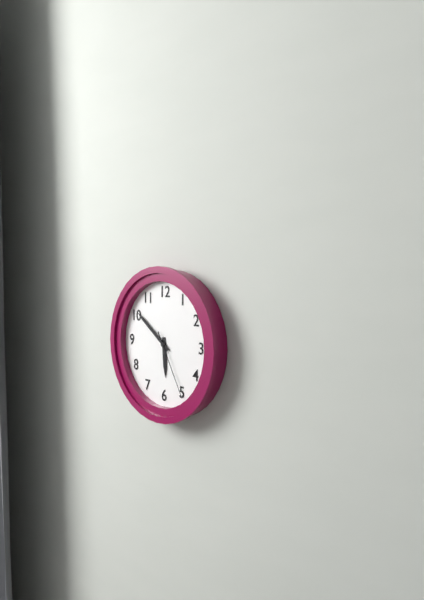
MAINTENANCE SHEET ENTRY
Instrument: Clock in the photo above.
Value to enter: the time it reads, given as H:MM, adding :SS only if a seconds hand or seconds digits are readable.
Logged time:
5:51:25
